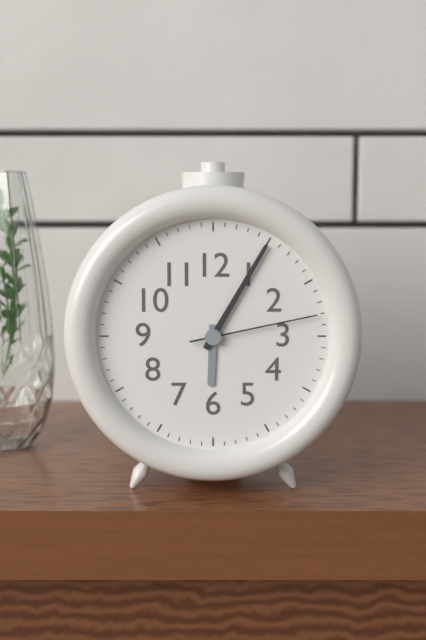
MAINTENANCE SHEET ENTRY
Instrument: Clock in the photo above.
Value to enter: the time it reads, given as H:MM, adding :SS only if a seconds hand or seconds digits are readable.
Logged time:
6:05:13
